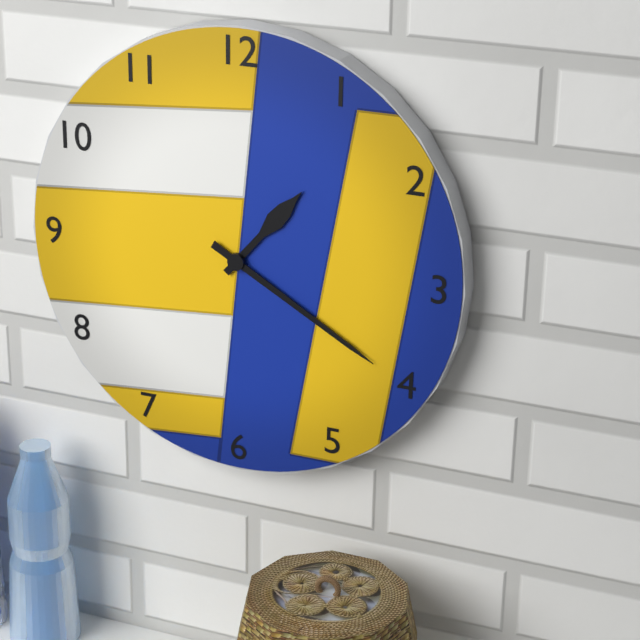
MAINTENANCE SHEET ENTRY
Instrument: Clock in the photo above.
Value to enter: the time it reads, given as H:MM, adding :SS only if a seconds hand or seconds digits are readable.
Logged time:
1:20
